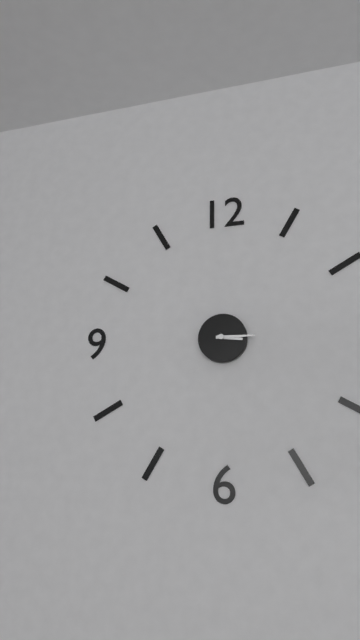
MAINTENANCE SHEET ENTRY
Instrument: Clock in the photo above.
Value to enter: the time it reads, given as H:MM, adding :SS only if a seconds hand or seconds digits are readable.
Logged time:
3:15
